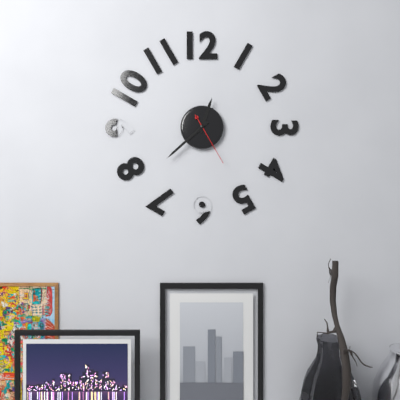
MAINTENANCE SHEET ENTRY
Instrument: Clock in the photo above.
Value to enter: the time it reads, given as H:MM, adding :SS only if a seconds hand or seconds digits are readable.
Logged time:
12:38:25
